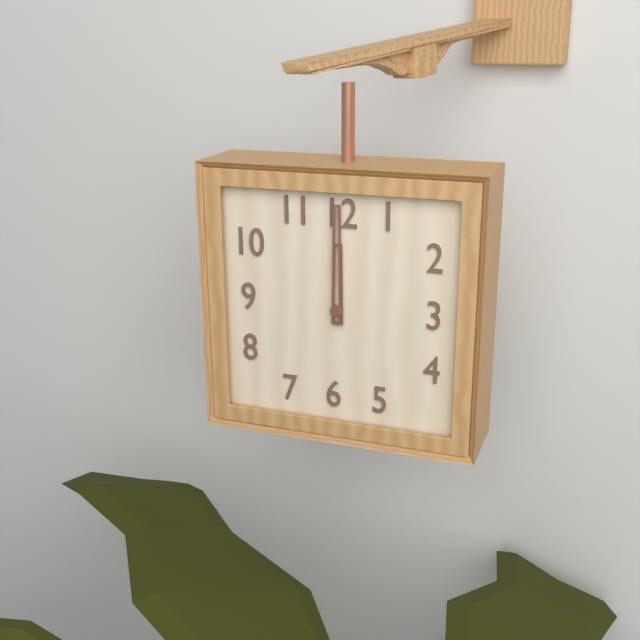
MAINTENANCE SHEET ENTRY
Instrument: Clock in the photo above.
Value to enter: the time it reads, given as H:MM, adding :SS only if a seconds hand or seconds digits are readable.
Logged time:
12:00
